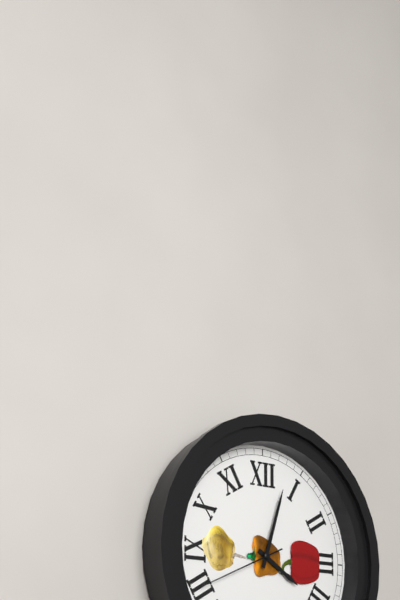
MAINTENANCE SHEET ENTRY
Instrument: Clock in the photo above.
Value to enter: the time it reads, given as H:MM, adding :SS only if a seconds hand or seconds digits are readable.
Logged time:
4:03:41
